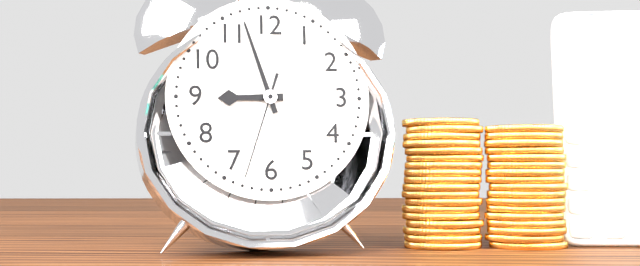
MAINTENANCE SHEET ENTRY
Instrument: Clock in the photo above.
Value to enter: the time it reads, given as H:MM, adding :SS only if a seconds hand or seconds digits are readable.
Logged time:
8:57:33
